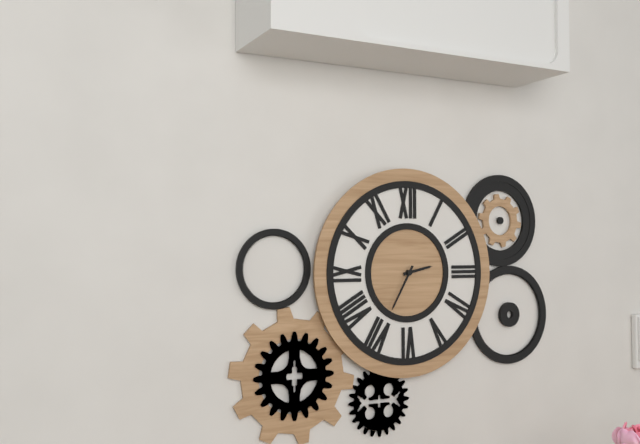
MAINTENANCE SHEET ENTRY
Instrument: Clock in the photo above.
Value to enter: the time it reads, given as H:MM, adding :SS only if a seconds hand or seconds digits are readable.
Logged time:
2:35
